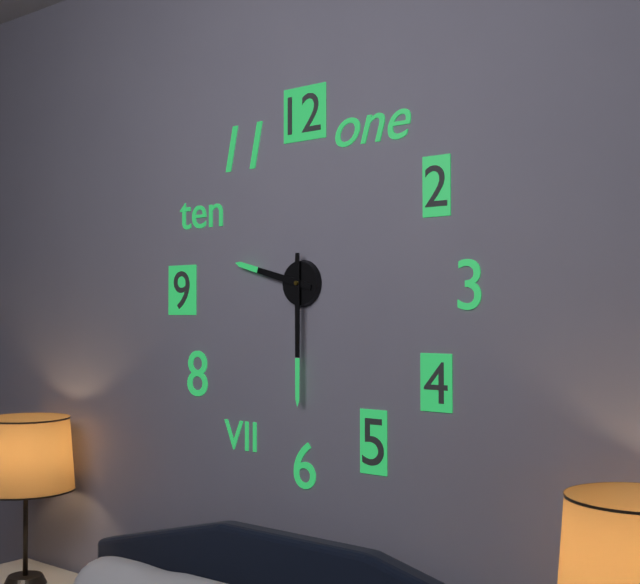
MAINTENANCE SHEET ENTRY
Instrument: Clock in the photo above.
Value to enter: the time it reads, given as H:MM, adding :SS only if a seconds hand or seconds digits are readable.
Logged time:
9:30
